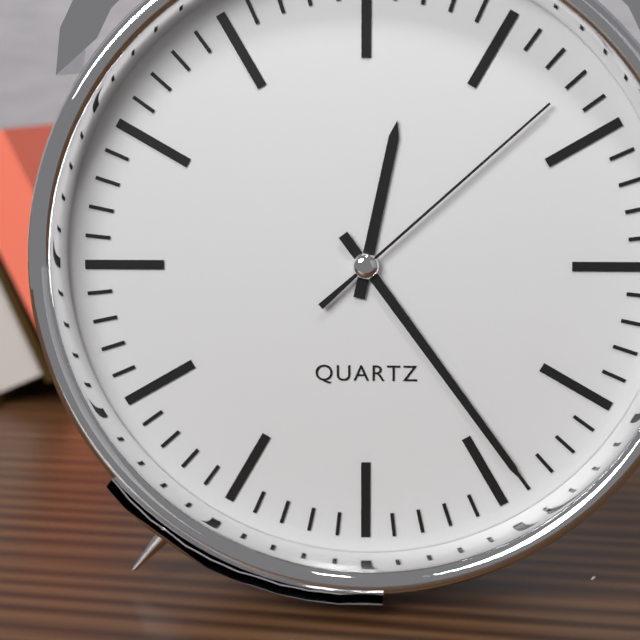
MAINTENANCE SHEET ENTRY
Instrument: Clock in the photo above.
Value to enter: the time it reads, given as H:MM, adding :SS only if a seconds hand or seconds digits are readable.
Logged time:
12:24:08
